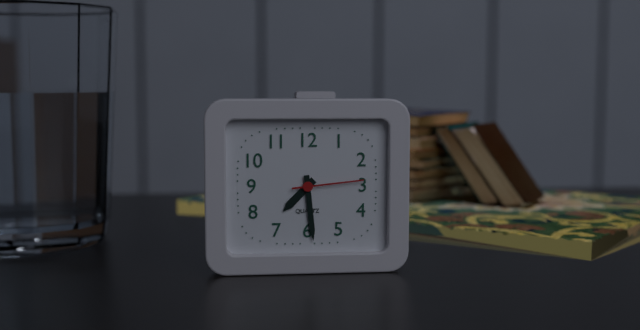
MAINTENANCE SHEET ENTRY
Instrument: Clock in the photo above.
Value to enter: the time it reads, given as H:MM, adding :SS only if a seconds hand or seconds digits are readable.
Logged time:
7:29:14
